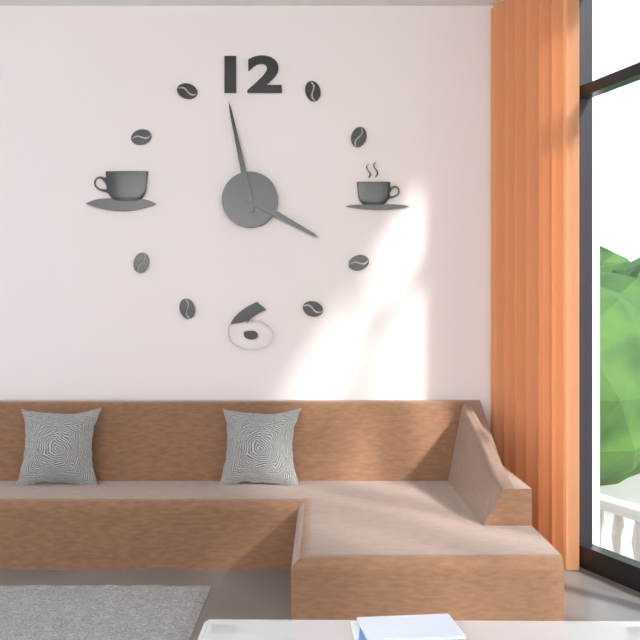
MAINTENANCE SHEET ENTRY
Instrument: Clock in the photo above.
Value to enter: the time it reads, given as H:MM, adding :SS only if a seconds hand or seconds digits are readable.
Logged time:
3:58
